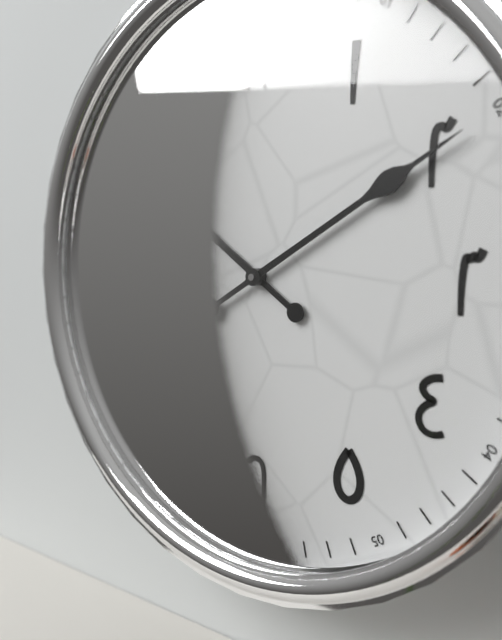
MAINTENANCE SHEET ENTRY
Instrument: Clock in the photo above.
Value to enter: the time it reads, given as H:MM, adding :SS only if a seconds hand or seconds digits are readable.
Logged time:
10:10
